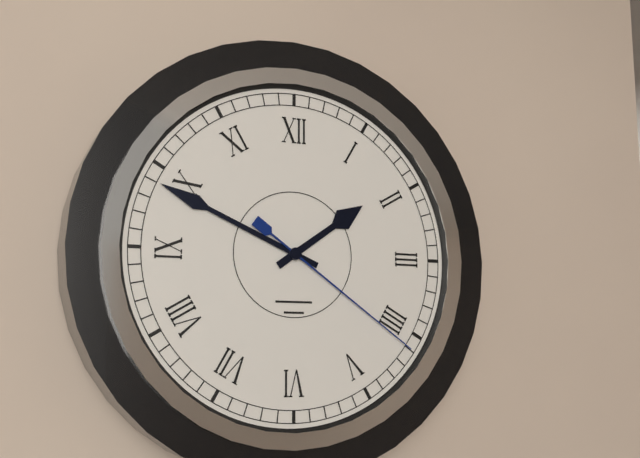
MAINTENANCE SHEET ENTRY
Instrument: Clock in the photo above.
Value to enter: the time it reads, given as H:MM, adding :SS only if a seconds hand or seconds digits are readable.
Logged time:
1:49:21
